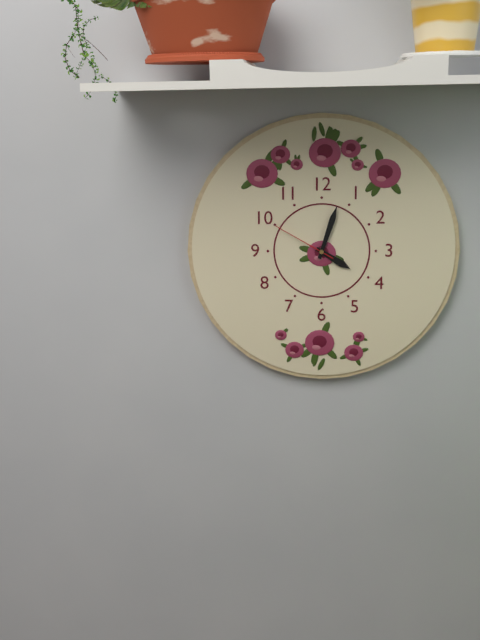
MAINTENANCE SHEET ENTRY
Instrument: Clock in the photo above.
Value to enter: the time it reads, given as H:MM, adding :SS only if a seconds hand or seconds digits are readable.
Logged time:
4:03:50
